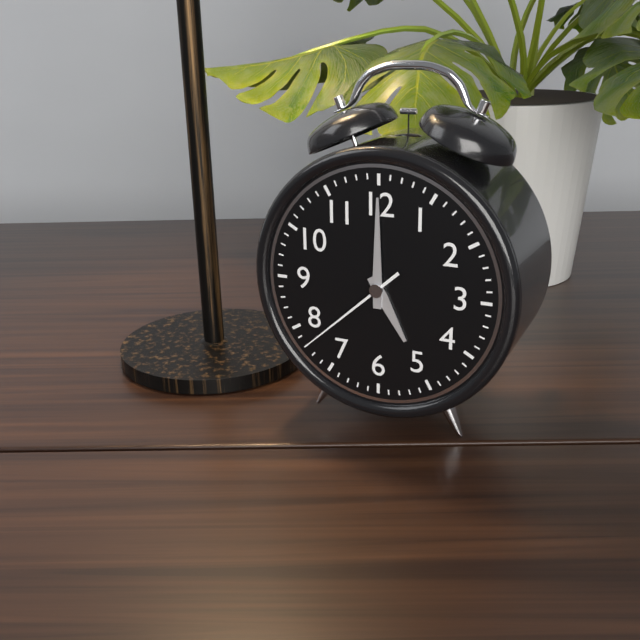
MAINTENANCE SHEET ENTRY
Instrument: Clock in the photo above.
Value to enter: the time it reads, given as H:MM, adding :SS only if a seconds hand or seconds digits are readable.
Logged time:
5:00:38
